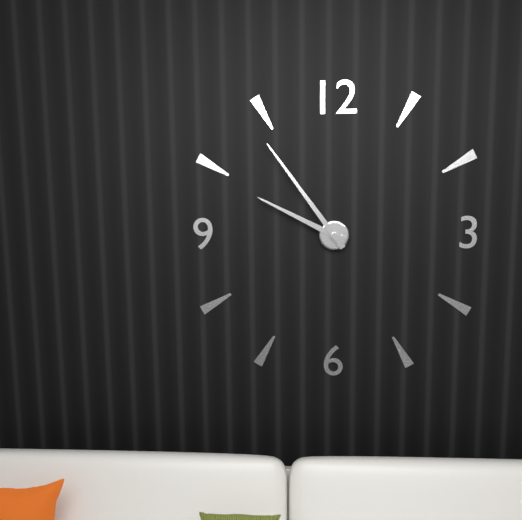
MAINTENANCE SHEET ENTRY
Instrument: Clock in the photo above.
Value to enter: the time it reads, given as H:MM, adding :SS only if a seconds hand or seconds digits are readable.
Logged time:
9:54
